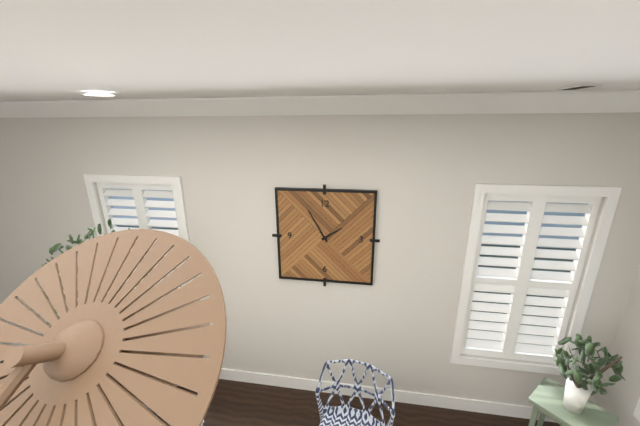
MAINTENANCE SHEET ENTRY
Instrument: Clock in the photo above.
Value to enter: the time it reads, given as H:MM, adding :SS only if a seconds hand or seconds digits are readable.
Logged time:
1:55
